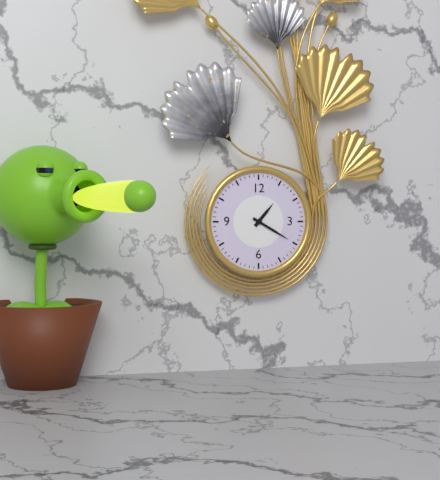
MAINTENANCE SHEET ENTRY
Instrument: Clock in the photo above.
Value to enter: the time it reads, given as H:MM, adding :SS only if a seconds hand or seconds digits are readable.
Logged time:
1:20
